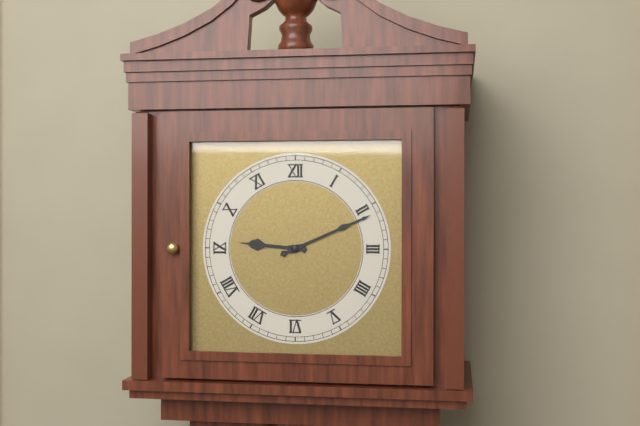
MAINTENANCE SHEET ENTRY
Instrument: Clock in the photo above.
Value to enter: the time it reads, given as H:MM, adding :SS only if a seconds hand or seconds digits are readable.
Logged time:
9:11
